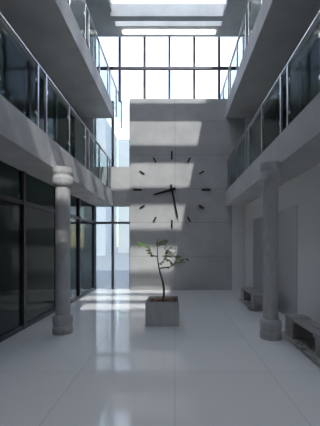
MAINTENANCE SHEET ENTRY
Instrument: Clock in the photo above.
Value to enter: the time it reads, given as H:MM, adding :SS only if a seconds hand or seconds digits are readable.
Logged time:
8:28
